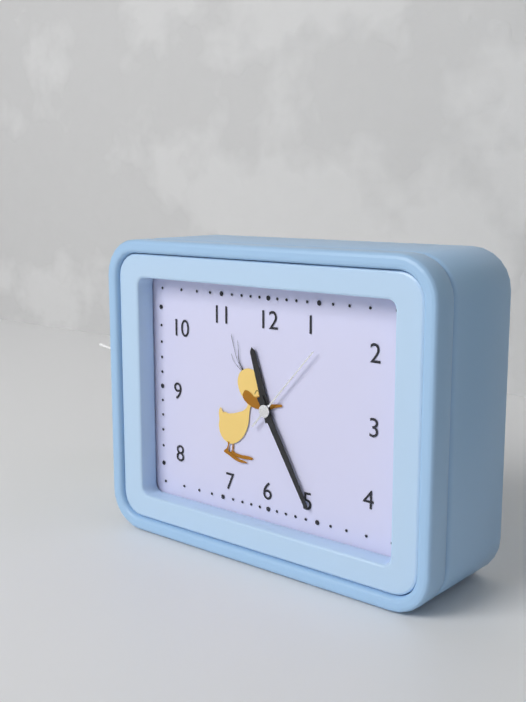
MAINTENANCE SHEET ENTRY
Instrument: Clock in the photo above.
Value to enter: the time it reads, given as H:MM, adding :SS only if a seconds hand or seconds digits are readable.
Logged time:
11:25:07
